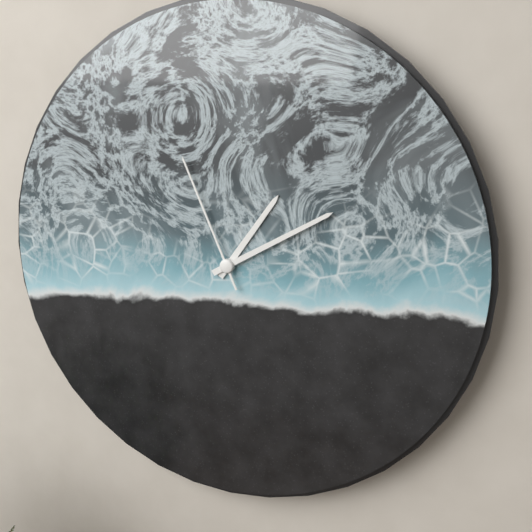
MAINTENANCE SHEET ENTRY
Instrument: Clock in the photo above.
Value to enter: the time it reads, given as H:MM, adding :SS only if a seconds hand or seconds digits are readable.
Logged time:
1:10:56
